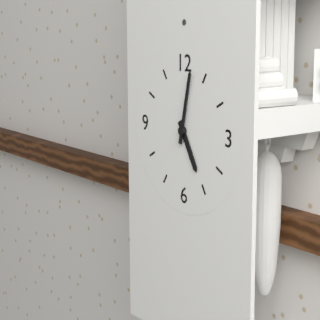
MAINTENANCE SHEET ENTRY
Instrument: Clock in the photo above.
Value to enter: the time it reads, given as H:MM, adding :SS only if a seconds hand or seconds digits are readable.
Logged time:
5:02
